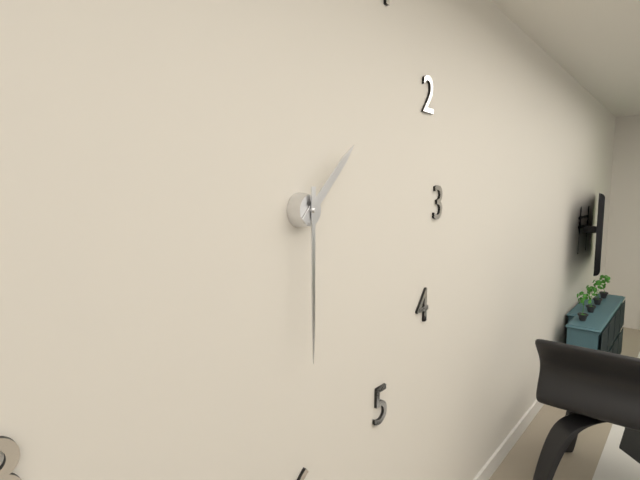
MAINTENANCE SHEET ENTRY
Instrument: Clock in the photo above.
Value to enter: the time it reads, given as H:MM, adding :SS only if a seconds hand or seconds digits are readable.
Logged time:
1:30
